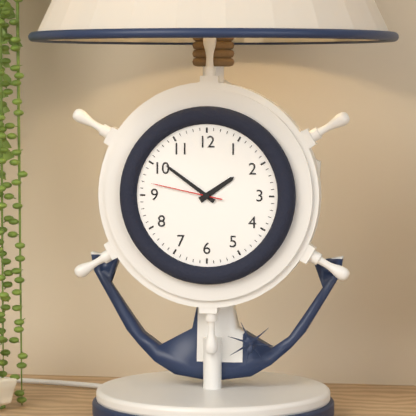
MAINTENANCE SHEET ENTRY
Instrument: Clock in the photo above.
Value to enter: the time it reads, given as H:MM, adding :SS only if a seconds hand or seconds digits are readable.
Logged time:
1:51:47
